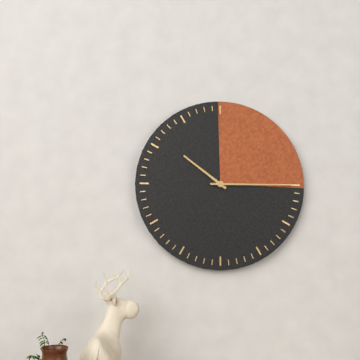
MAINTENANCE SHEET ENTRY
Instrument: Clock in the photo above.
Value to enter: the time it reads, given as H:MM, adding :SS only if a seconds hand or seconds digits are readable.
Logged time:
10:15
